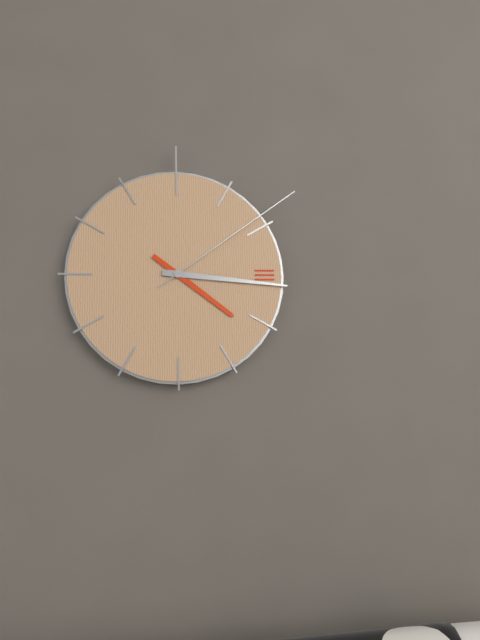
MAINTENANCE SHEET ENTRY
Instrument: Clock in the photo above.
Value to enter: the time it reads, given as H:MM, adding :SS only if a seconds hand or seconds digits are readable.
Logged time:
4:16:09
